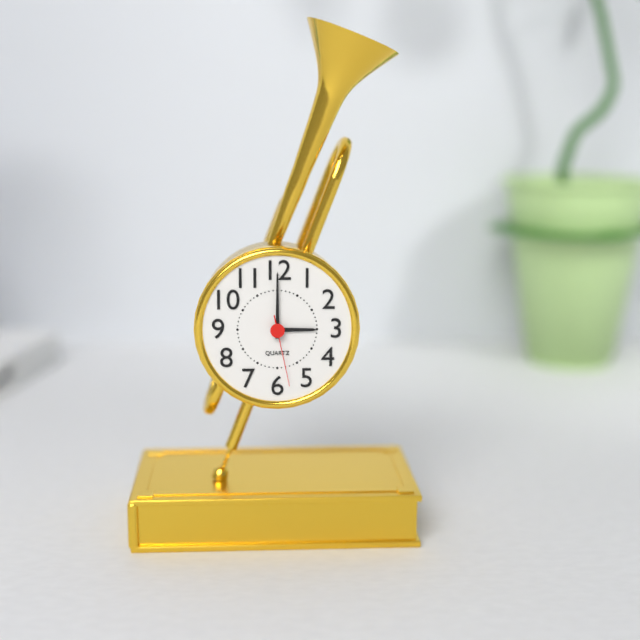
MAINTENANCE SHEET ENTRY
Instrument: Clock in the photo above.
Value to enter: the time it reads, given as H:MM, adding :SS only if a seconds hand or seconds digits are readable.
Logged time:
3:00:28
